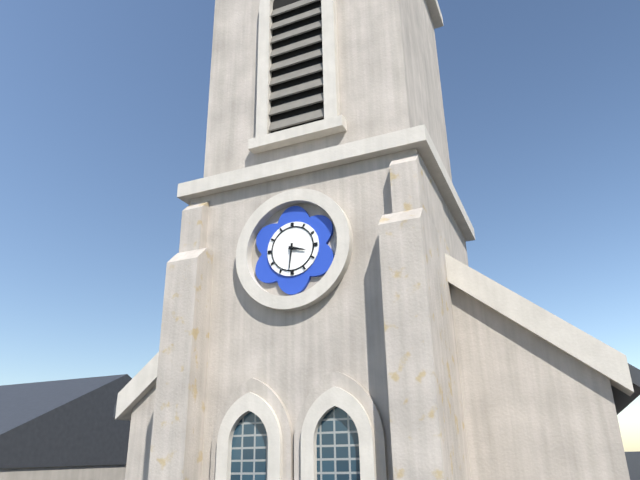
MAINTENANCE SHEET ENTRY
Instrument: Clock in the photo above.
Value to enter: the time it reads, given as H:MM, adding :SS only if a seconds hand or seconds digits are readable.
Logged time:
3:31
